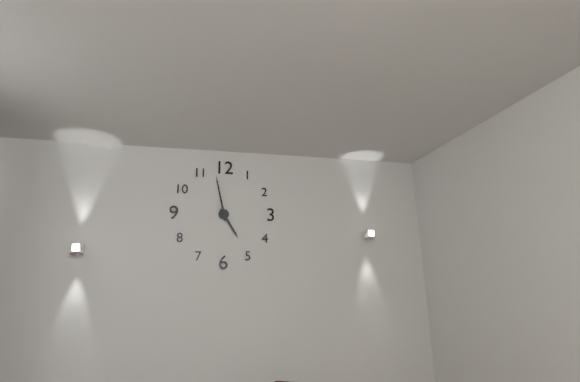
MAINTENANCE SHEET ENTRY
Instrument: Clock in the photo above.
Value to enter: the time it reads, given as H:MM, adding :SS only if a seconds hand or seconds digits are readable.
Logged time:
4:58
